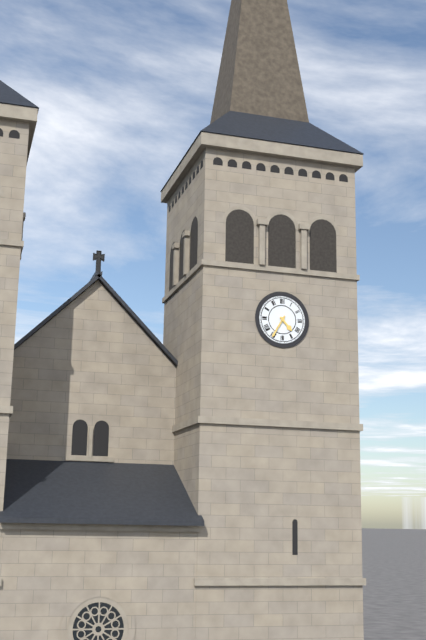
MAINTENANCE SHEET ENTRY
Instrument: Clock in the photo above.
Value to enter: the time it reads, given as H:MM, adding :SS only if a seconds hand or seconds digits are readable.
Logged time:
4:35
